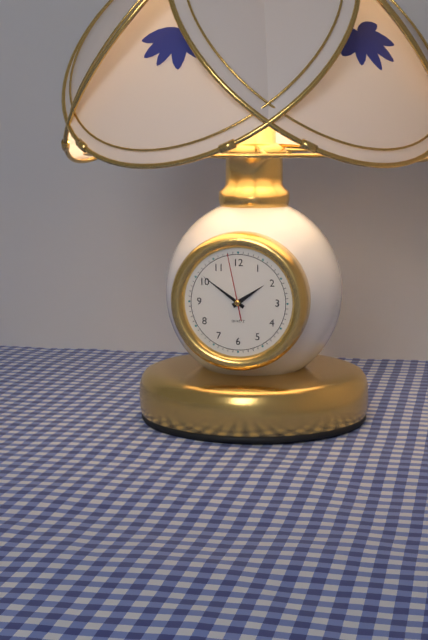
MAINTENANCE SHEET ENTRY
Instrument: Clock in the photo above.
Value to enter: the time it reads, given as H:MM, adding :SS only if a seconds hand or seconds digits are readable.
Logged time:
1:51:58
